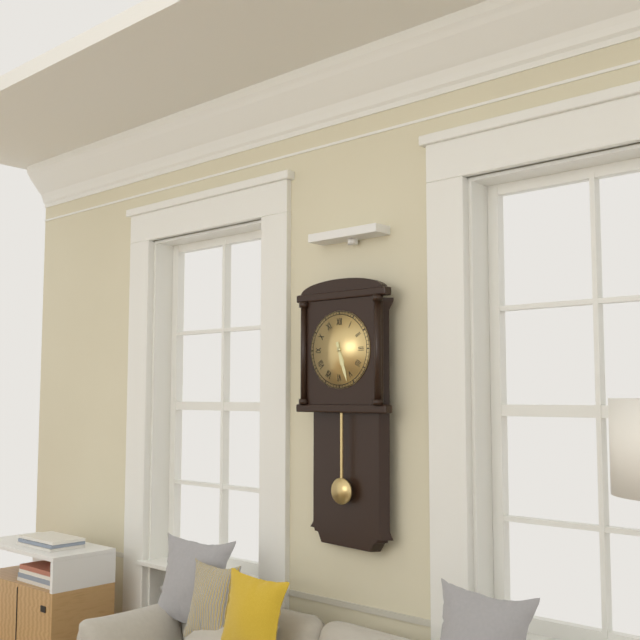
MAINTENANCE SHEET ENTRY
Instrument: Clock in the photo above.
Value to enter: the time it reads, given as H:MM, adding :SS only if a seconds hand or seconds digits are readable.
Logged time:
5:27
